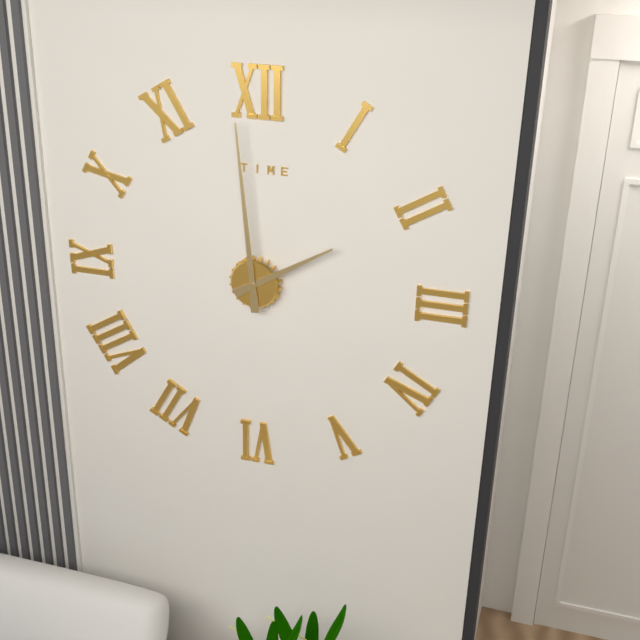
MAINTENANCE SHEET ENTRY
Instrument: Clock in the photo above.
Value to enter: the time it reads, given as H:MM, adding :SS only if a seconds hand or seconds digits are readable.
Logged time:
1:59
